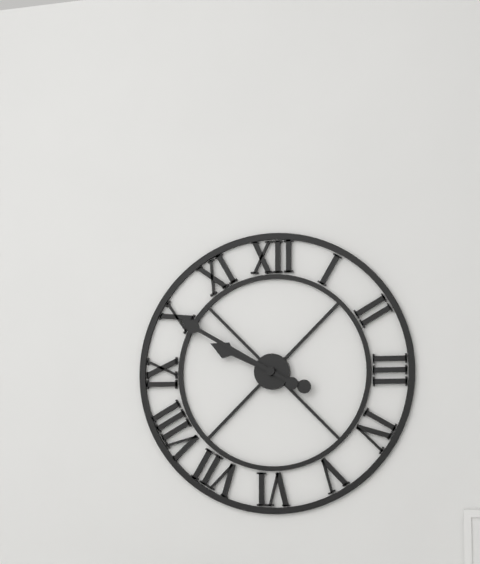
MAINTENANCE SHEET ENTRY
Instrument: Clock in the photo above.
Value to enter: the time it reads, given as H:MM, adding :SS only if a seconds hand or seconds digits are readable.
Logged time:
9:50
